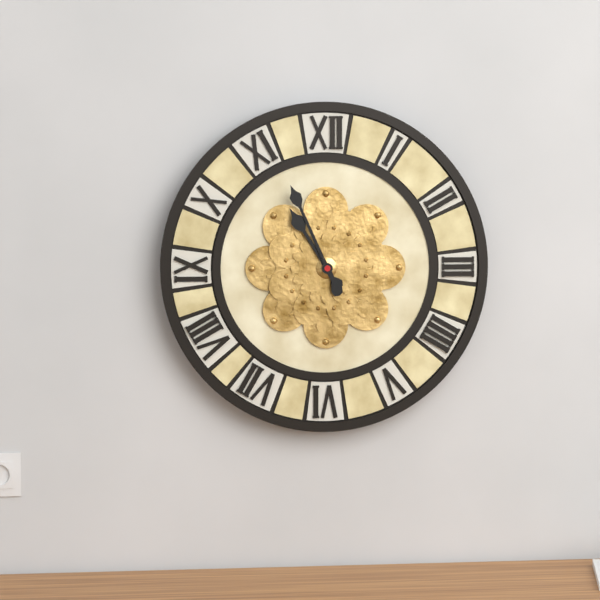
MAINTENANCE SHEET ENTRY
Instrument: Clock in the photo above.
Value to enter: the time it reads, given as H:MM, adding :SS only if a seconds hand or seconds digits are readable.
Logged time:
10:56
